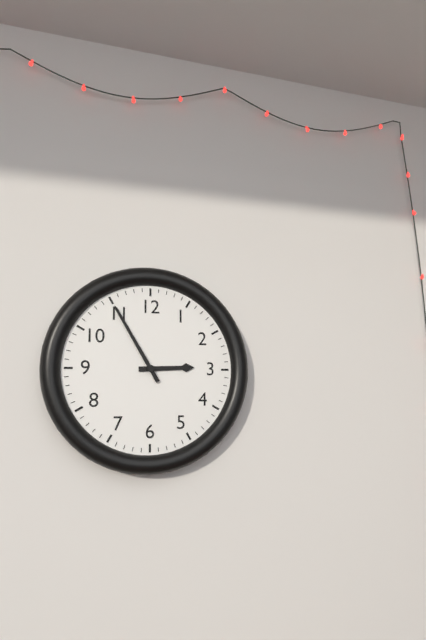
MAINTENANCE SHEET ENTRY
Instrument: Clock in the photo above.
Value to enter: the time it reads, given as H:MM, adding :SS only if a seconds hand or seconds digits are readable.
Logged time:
2:55
